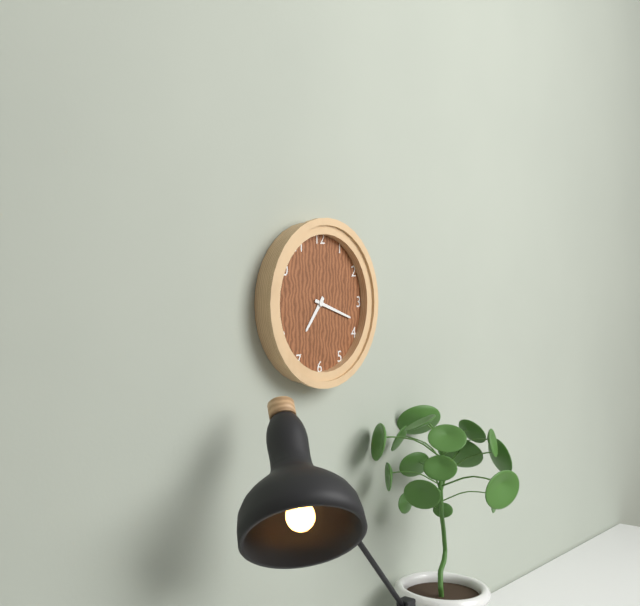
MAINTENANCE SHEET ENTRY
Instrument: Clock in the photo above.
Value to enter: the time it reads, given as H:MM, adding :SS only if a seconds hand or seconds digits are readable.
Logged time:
7:18
